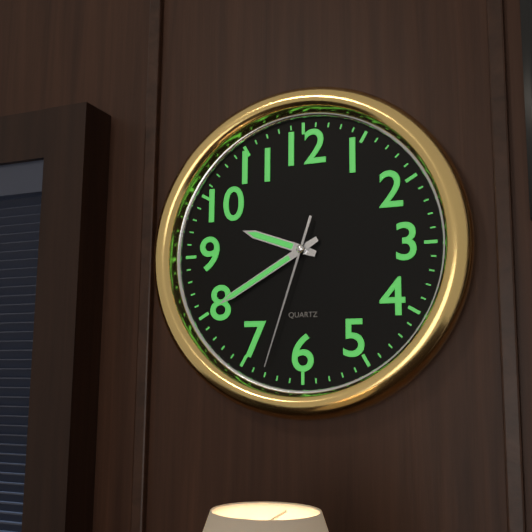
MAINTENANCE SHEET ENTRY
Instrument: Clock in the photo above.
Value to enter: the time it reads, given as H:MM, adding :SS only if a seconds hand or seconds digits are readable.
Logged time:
9:40:33
